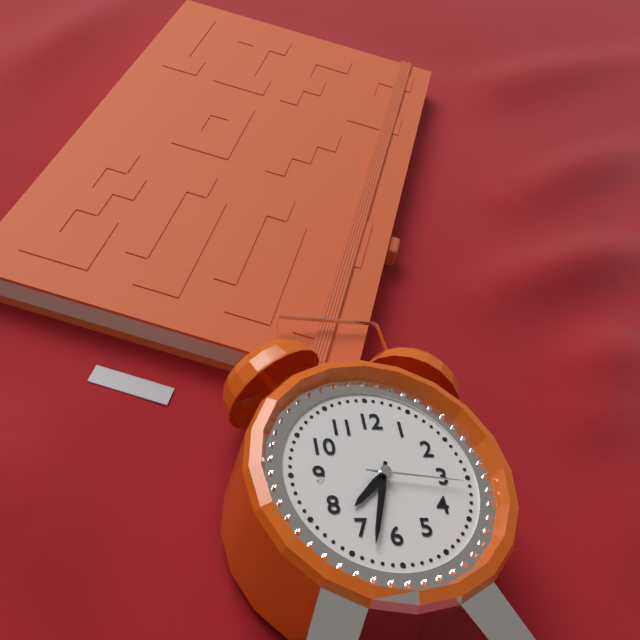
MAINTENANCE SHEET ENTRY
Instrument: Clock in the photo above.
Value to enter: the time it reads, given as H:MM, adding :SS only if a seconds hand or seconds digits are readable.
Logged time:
7:33:16
